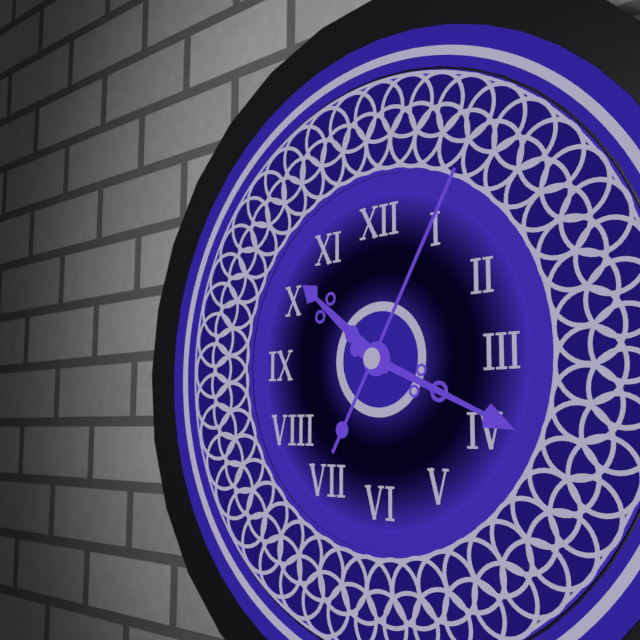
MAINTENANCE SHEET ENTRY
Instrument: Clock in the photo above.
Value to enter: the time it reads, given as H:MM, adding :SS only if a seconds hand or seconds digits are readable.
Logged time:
10:19:05
